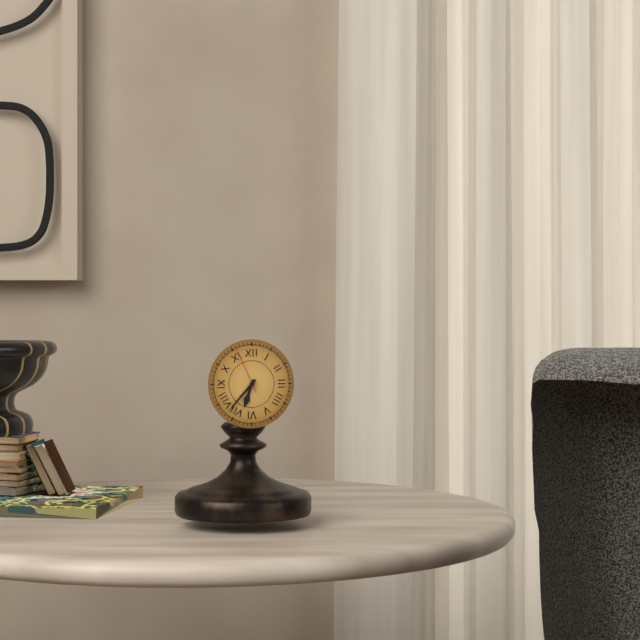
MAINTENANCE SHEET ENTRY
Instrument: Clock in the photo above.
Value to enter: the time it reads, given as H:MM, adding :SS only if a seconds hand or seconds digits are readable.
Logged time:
6:37:56
